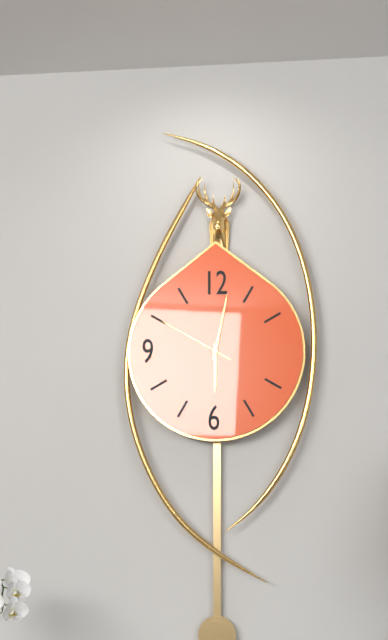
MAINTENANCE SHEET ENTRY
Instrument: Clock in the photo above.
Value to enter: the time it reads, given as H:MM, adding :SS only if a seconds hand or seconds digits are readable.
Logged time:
6:02:50
